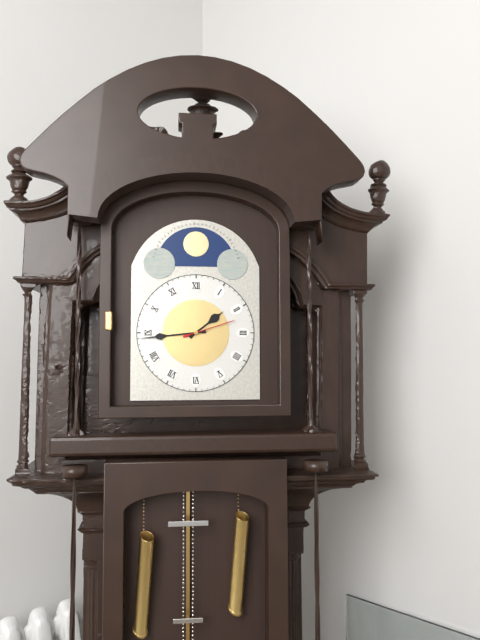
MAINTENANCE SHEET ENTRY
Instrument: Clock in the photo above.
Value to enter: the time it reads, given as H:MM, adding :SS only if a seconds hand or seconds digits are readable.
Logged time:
1:44:12
